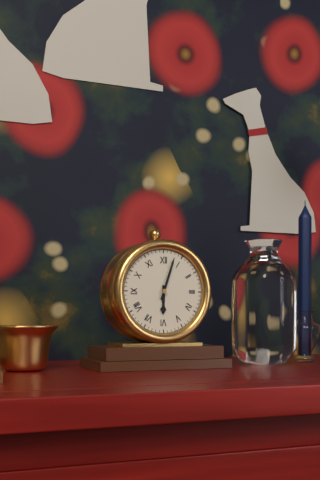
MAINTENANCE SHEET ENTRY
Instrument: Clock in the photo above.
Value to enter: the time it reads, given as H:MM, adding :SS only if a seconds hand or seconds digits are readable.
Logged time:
6:03
